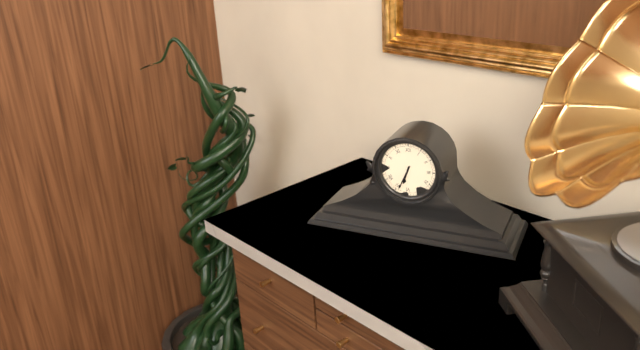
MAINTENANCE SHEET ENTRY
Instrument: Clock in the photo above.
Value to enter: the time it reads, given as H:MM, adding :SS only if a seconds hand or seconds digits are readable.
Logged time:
6:34
